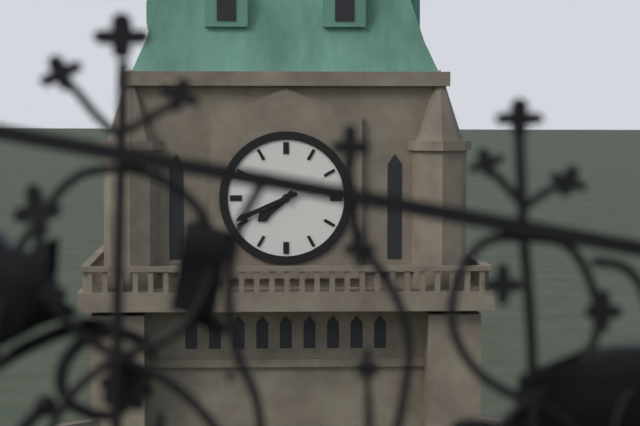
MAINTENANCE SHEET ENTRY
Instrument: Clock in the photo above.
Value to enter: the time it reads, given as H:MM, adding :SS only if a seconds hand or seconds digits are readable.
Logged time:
7:41
